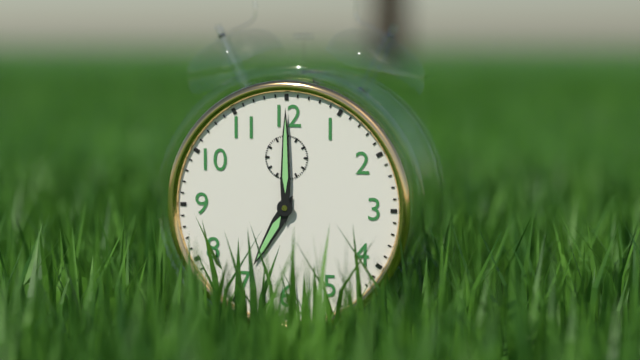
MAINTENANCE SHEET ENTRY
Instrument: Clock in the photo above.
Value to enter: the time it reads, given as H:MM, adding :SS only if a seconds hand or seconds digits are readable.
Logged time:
7:00
